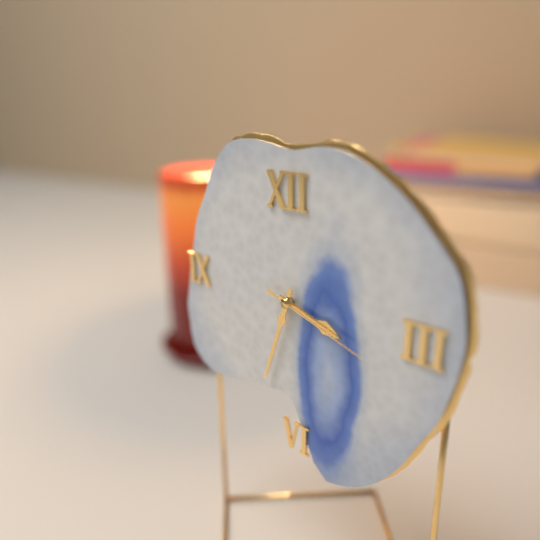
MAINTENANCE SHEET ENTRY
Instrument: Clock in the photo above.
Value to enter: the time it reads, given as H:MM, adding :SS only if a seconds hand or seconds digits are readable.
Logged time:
3:33:18
